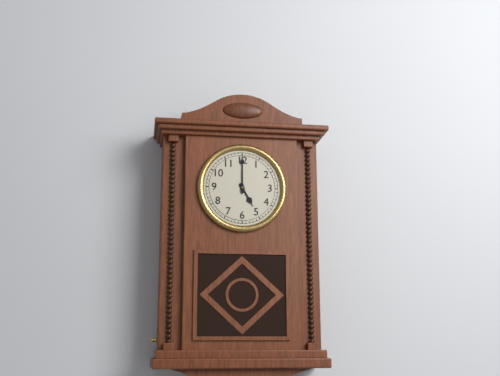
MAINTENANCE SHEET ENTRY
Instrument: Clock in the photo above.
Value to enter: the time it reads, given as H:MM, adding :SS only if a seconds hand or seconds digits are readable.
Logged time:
5:00
